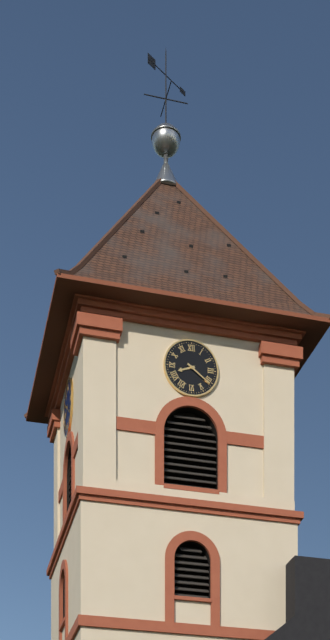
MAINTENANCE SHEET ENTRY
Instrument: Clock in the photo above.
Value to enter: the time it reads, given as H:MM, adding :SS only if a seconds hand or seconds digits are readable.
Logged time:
8:21
